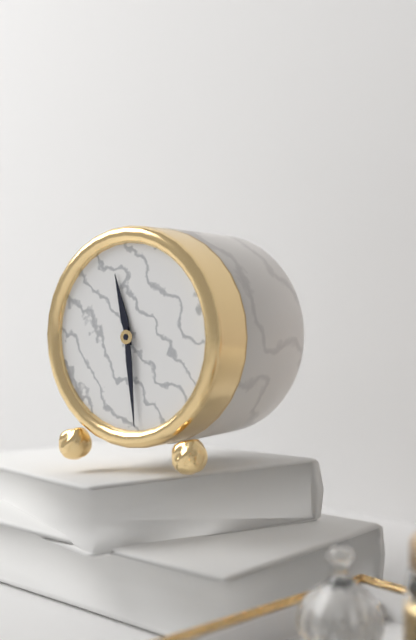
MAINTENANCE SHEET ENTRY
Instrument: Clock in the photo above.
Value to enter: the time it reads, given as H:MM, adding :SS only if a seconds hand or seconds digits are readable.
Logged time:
11:29
